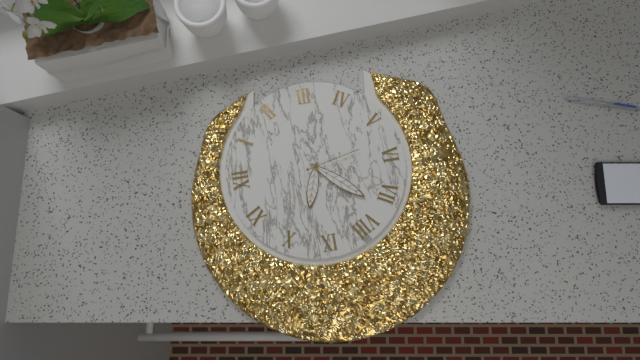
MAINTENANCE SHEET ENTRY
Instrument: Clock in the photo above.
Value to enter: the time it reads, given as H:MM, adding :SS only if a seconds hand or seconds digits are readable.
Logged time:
9:37:28
